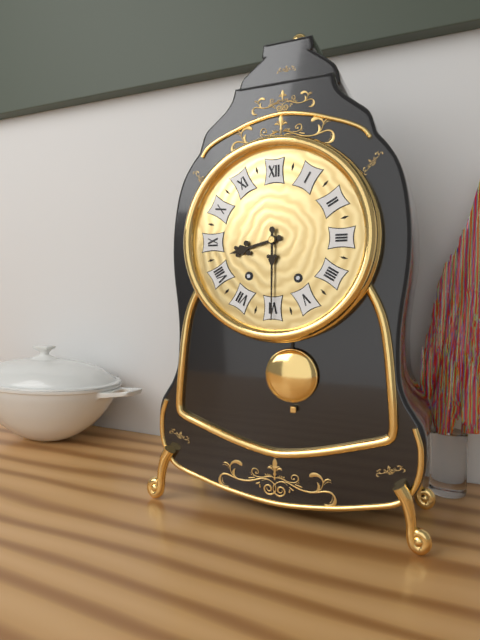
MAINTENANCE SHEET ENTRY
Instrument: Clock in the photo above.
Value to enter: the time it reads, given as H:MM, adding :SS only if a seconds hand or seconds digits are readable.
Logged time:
8:30
